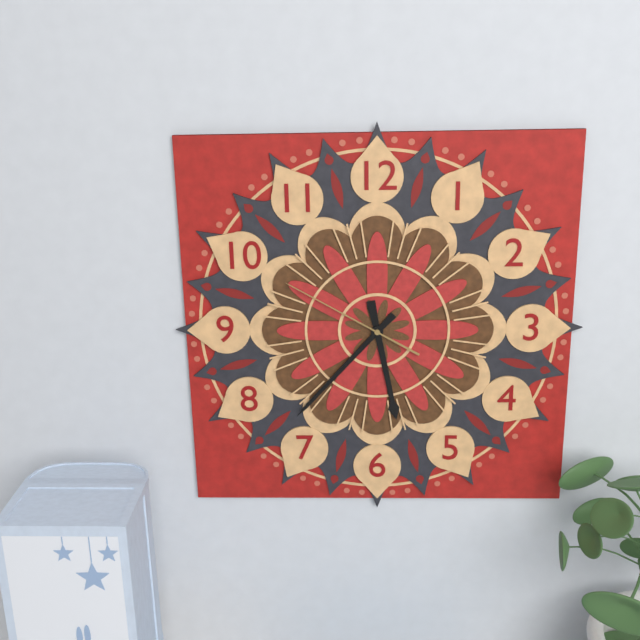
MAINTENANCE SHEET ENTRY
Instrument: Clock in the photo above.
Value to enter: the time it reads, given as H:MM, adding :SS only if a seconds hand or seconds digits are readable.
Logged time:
5:37:50
